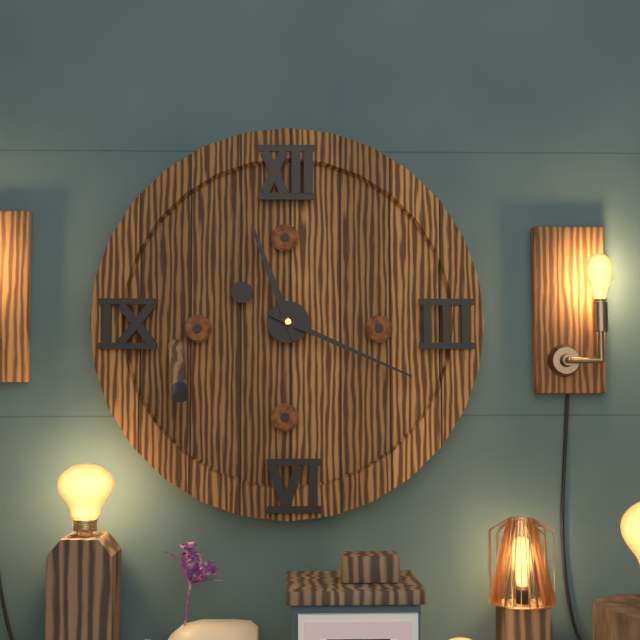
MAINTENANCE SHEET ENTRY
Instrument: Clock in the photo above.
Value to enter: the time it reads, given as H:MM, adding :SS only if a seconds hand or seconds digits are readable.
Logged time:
11:19
